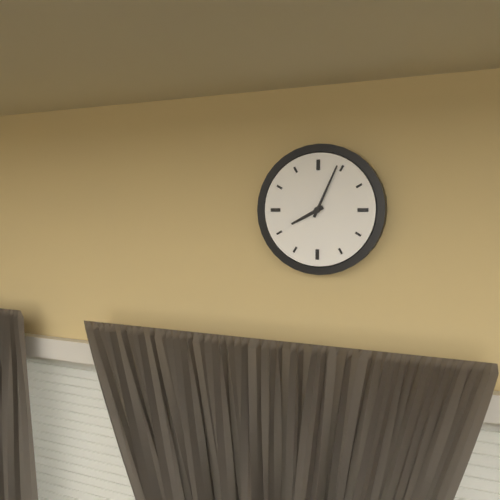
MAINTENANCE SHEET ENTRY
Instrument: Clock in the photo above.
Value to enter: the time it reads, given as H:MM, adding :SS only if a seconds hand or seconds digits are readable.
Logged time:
8:04
